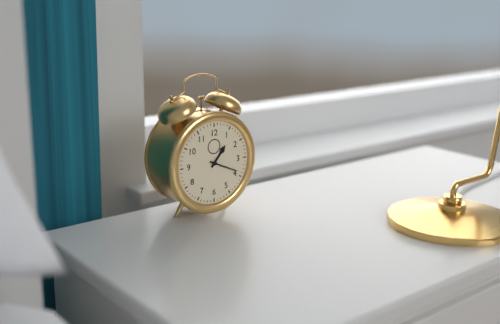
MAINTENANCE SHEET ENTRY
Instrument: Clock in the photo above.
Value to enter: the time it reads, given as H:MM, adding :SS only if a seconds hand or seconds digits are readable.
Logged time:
1:19
